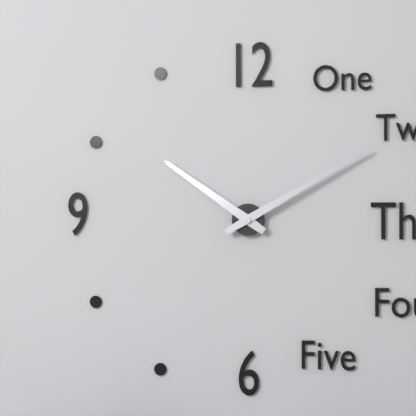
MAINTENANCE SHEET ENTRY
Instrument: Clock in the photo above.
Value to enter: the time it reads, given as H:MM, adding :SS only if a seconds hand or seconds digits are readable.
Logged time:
10:10
